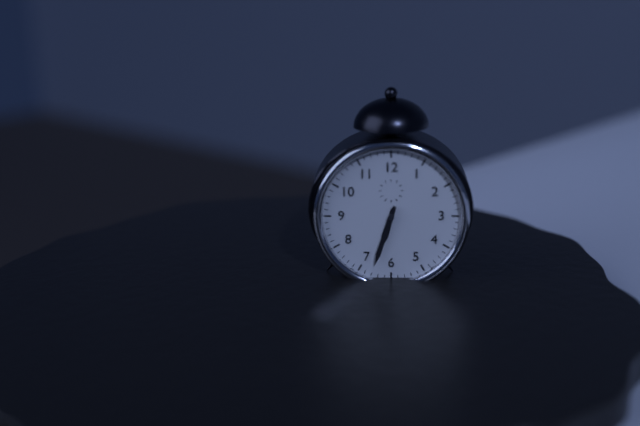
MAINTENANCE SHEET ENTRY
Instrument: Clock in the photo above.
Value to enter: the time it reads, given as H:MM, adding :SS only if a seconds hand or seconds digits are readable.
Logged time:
6:33
